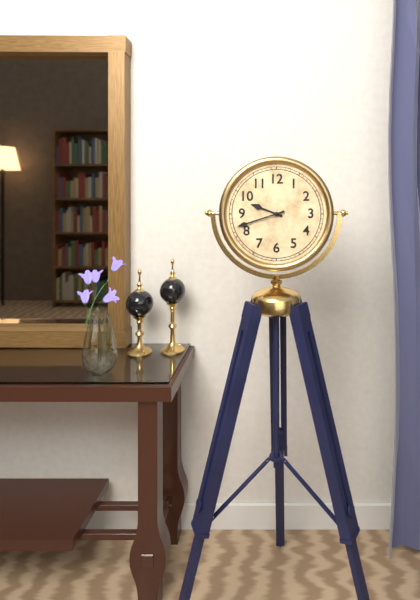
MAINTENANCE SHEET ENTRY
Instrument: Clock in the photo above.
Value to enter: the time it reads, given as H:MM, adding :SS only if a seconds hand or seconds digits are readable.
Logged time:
9:42
